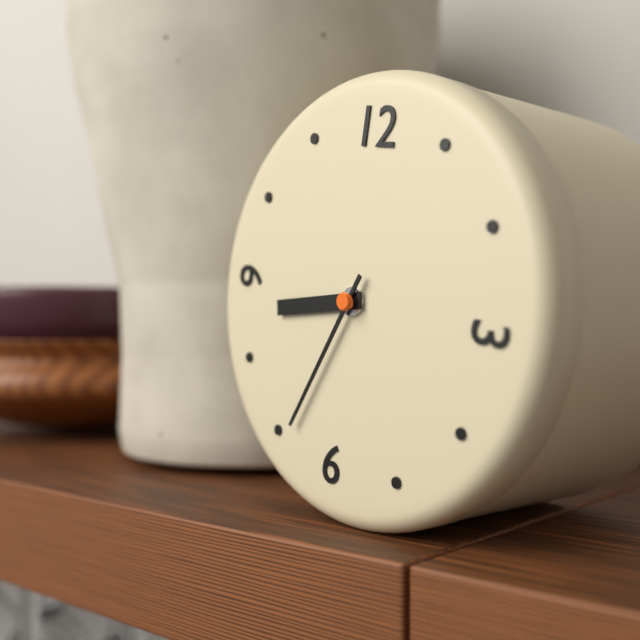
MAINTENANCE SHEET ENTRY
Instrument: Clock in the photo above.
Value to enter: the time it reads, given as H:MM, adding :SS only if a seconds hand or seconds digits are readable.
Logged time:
8:34
